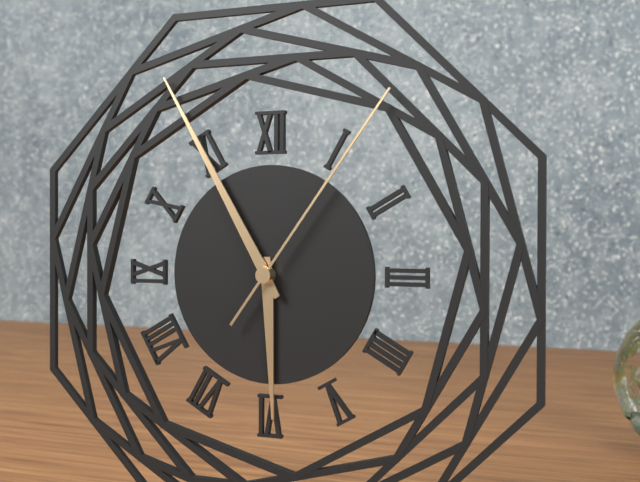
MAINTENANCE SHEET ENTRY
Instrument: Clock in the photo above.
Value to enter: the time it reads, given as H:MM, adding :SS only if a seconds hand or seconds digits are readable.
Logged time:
5:55:06
